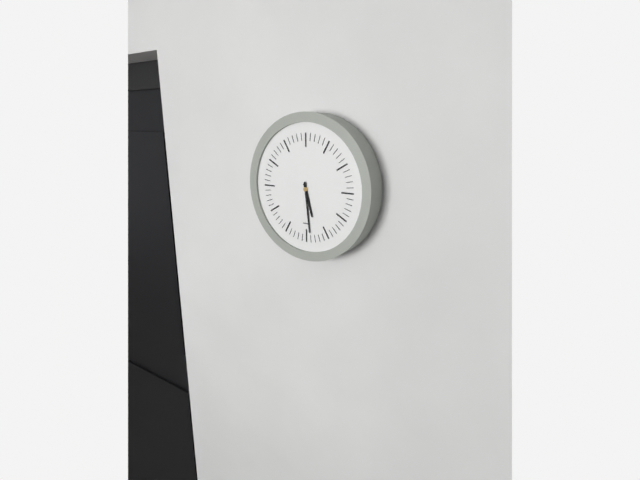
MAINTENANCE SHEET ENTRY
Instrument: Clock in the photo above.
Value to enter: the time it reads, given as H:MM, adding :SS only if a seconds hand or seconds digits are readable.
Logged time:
5:29
